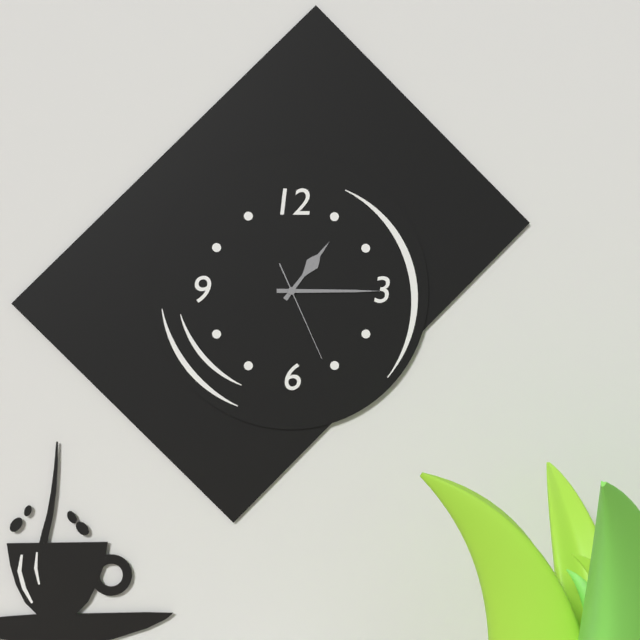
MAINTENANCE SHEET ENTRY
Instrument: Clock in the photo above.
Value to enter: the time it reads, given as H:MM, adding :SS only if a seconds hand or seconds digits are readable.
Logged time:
1:15:26
